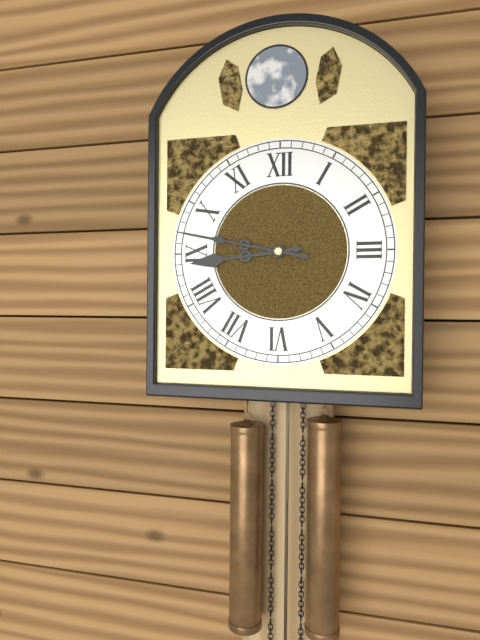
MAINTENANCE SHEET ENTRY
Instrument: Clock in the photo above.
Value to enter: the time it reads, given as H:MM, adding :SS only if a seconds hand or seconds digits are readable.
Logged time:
8:47
